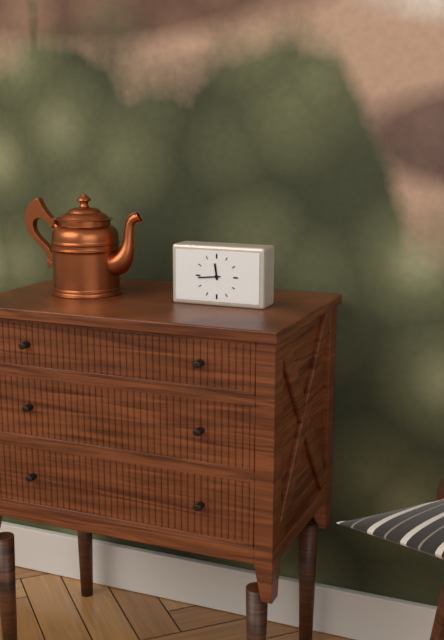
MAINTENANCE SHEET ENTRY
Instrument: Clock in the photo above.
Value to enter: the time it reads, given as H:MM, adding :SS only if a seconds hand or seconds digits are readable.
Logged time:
11:44
